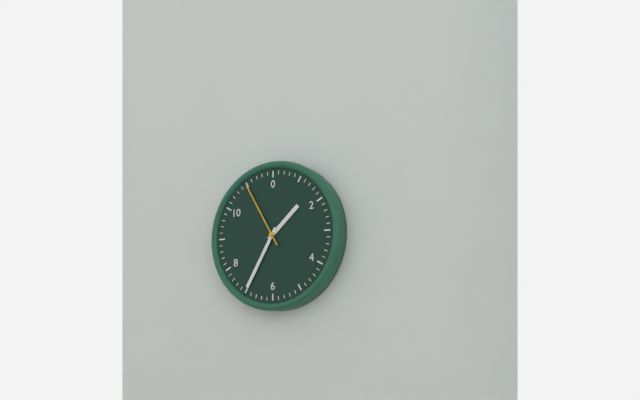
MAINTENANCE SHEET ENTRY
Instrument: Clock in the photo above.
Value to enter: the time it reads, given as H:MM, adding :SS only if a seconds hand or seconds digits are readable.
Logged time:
1:35:55
